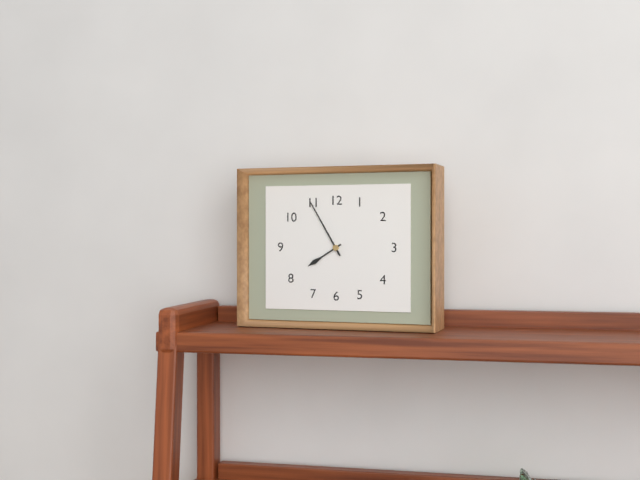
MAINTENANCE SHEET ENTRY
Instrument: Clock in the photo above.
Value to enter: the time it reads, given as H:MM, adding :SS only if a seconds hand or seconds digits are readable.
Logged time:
7:55
